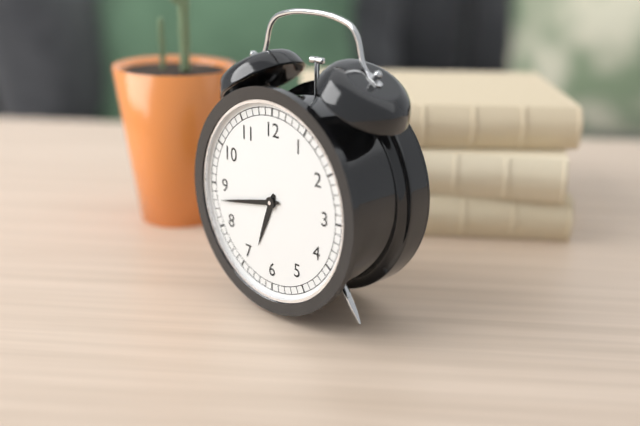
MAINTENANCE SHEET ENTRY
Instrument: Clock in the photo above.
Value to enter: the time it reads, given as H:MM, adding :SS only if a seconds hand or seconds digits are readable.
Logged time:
6:43
